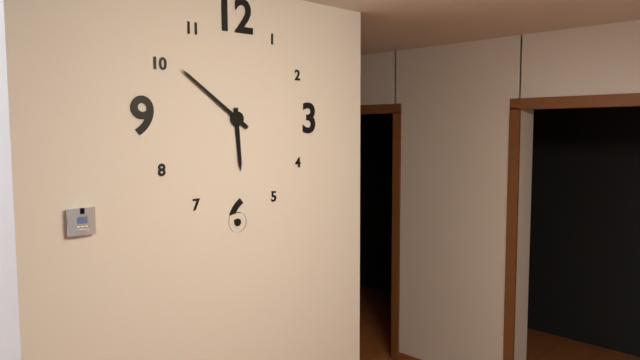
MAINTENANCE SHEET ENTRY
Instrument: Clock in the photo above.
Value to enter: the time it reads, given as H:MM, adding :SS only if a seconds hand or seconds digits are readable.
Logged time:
5:51
